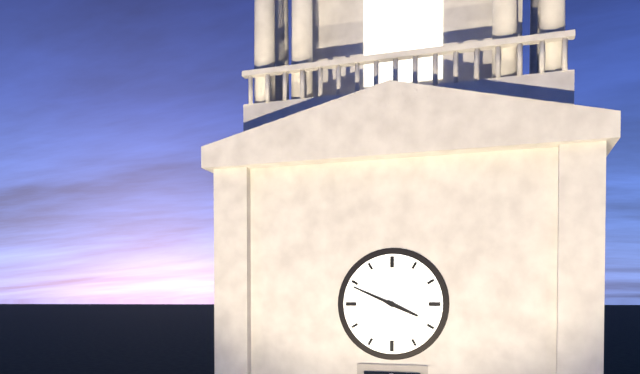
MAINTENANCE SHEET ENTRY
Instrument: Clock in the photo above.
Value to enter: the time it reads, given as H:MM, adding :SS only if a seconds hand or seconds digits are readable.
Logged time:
3:49
